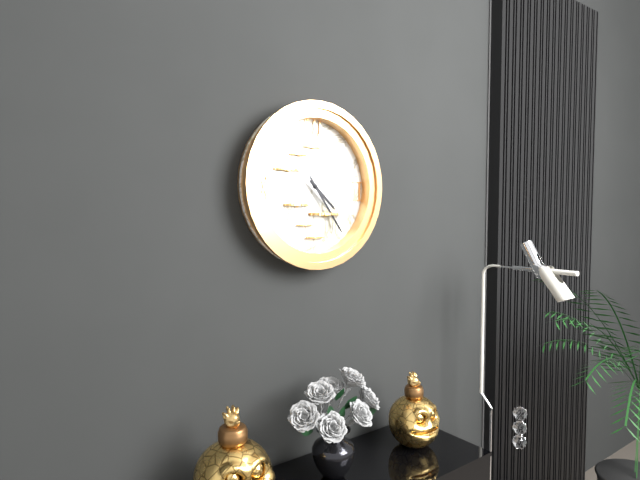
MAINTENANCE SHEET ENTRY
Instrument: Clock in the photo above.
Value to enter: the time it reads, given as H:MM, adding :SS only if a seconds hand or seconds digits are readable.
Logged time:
4:24
